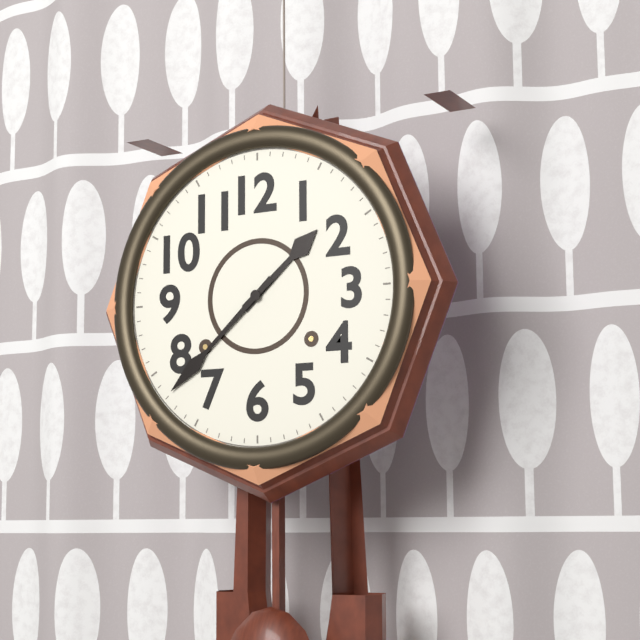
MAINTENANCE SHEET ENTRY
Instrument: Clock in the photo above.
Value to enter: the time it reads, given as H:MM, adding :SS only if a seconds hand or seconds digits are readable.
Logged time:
1:38
